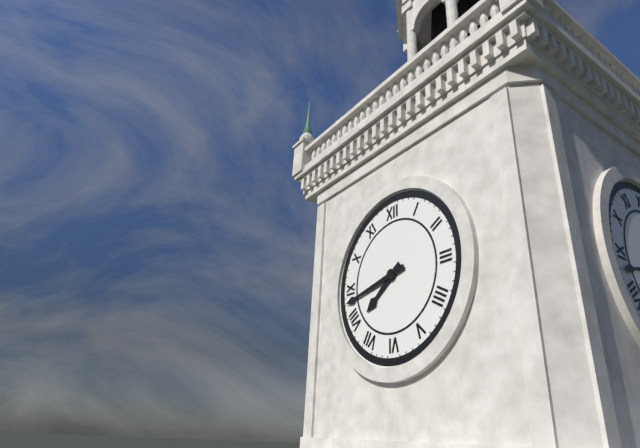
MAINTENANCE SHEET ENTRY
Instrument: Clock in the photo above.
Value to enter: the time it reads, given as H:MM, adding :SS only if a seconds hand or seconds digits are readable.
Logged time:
7:43
